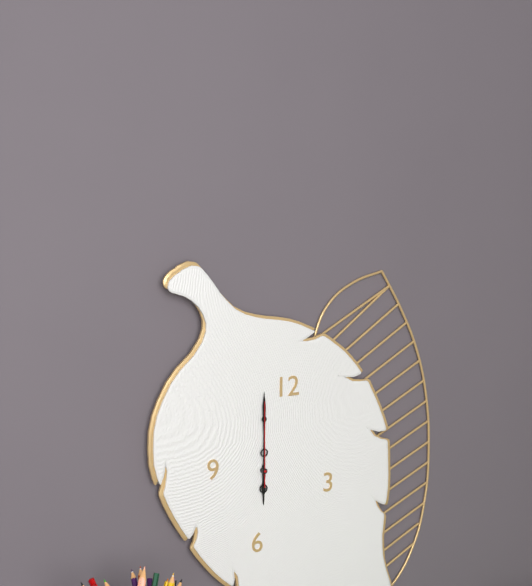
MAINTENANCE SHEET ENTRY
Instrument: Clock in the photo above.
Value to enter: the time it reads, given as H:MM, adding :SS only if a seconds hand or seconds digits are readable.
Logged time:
6:00:00
